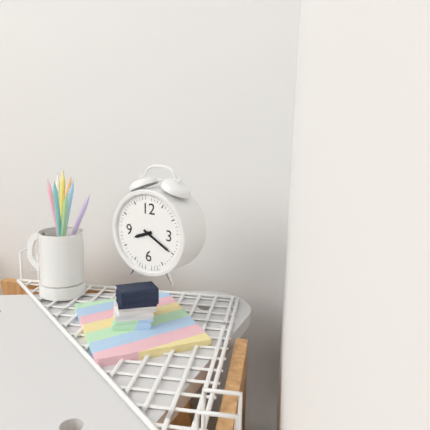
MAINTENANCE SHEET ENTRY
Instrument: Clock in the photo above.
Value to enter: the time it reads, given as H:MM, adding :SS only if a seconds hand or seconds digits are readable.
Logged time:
8:20
